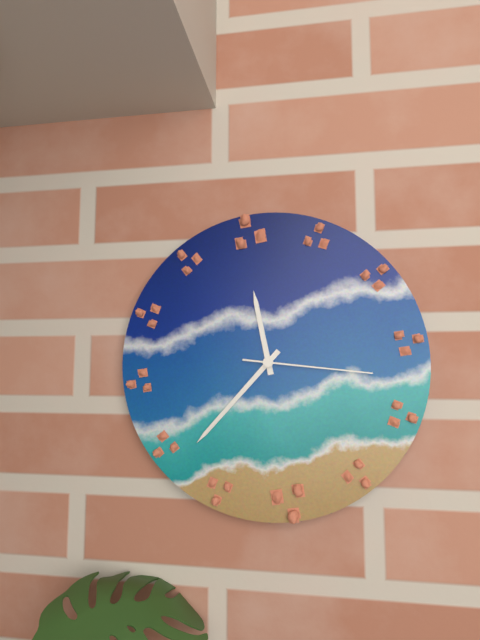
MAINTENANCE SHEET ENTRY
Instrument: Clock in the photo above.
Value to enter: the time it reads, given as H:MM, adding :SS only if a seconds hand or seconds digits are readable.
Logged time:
11:37:16
